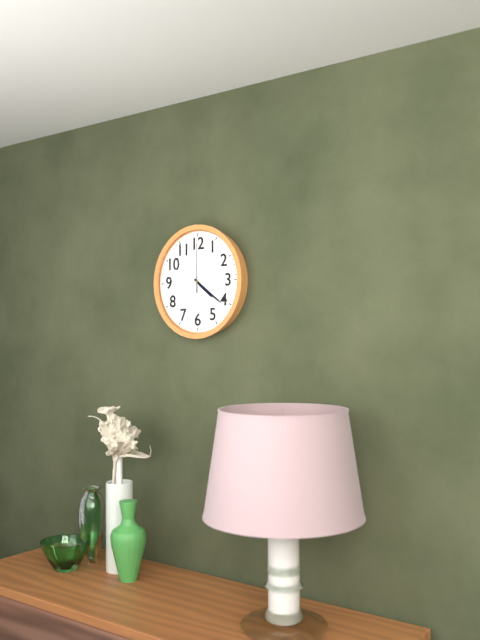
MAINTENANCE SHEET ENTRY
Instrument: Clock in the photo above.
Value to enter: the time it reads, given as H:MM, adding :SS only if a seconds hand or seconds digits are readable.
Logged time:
4:21:00
